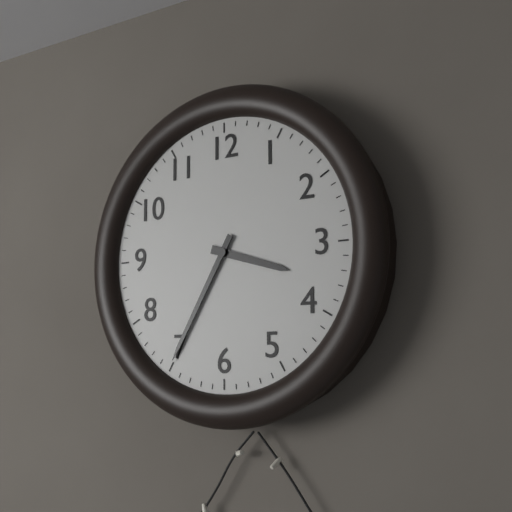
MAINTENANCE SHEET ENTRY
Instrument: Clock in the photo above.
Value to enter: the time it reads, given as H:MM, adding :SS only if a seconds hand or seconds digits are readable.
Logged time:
3:35
